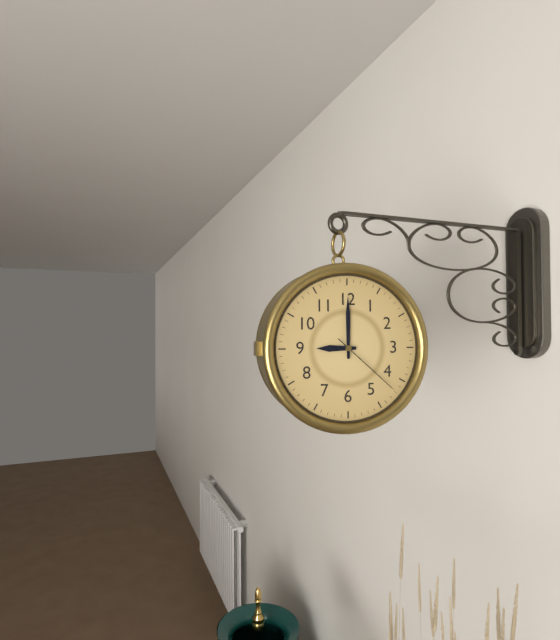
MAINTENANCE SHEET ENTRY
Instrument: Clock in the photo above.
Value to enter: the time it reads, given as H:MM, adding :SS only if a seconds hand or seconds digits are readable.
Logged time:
9:00:22
